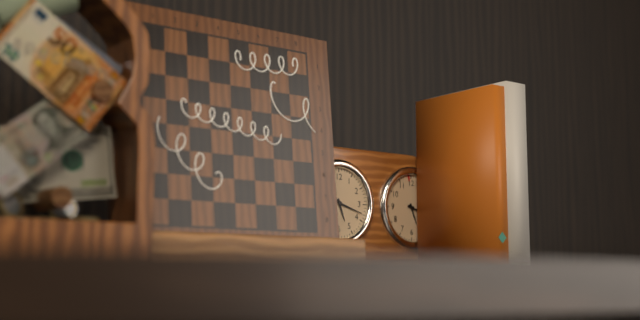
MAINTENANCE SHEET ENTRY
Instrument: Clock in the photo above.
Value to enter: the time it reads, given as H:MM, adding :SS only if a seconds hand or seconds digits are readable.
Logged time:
5:18
